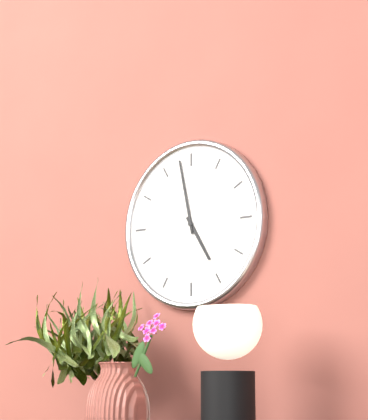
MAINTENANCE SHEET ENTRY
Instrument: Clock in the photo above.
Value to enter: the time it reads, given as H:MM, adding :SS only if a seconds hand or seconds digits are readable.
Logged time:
4:58
